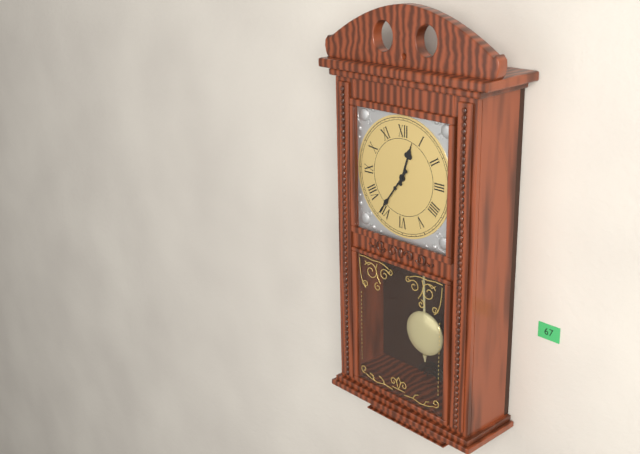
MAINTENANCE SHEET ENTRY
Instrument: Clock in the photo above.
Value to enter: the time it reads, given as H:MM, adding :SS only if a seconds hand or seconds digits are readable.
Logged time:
12:36
